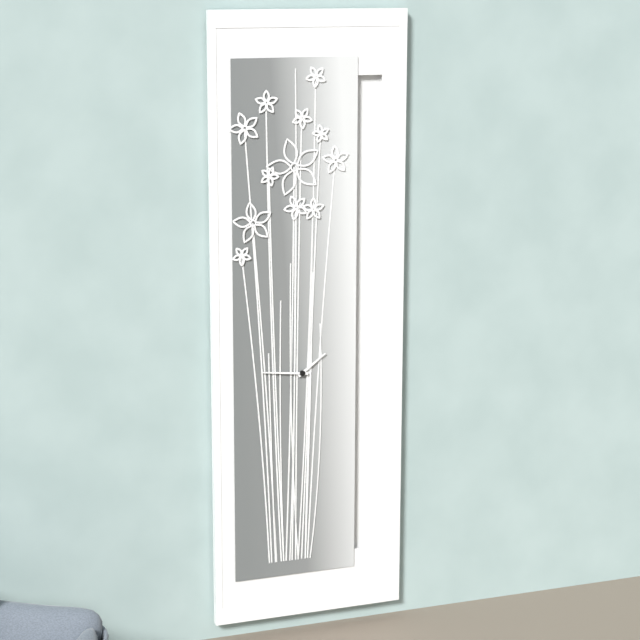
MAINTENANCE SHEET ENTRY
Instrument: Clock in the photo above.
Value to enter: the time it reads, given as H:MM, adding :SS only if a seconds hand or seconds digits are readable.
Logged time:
1:46
